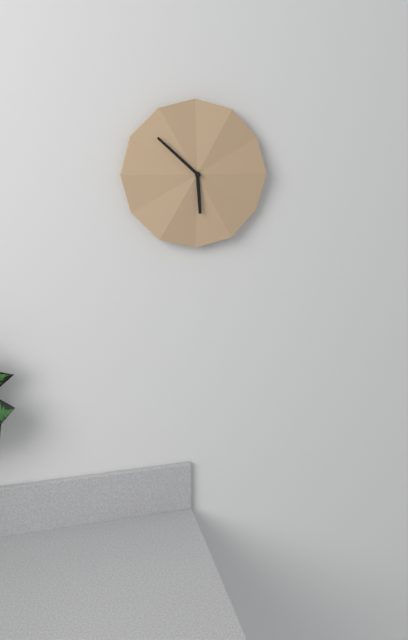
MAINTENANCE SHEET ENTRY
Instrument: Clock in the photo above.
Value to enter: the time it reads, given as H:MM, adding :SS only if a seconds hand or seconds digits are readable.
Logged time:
5:52
